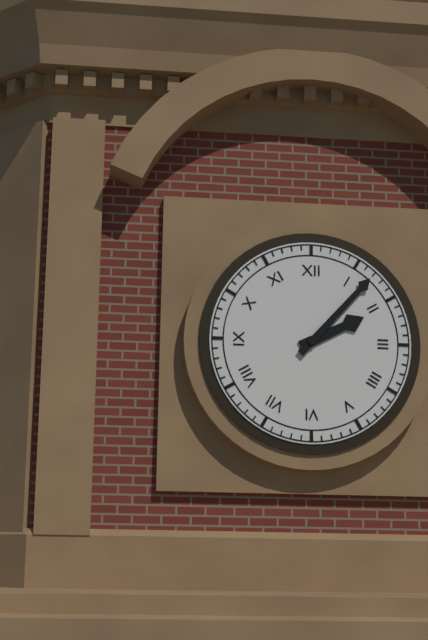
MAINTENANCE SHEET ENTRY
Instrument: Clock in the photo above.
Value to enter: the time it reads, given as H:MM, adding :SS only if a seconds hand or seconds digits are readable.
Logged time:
2:07
